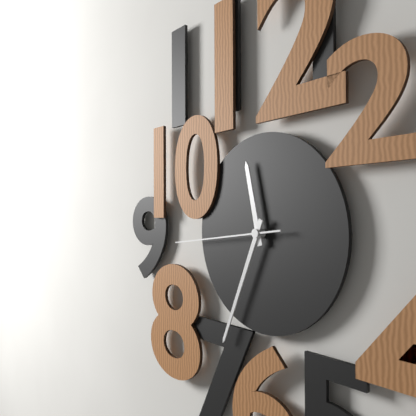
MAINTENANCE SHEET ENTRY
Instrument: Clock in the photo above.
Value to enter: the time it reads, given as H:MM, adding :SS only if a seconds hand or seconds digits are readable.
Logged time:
11:34:44
